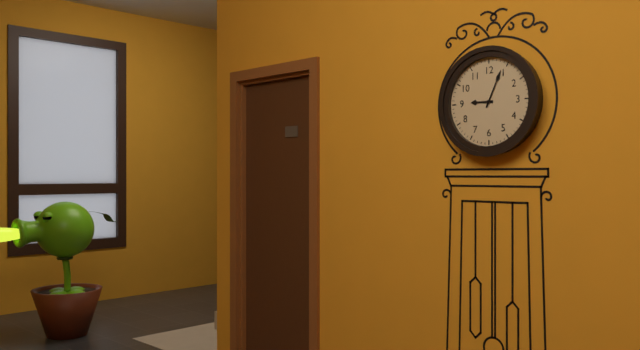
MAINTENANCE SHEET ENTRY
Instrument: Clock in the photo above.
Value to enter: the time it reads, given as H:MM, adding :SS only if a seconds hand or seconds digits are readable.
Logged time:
9:04
